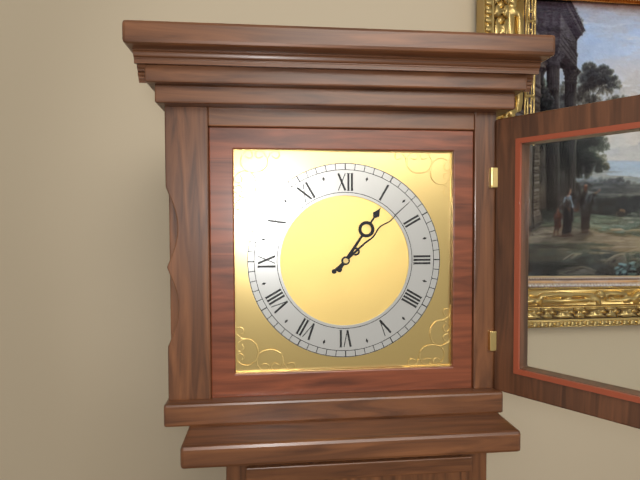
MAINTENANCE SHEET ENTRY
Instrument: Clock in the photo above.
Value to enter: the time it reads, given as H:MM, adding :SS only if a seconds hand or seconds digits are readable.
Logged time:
1:08
